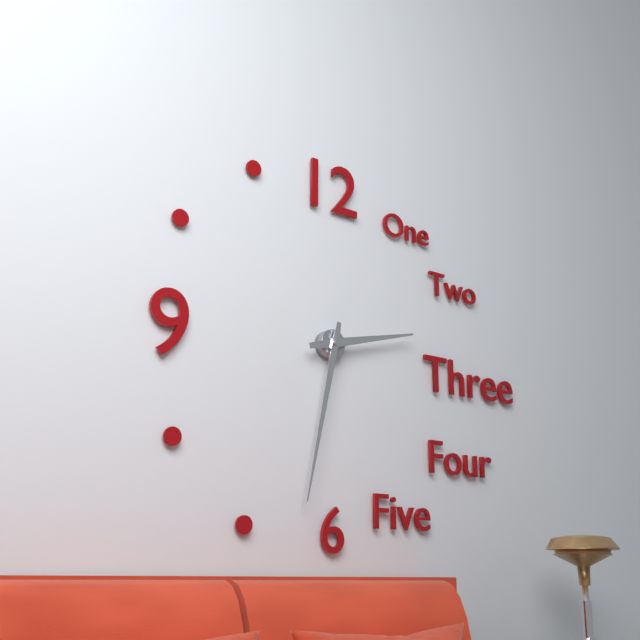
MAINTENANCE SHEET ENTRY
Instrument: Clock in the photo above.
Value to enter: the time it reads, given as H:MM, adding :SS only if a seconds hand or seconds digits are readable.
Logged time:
2:32
